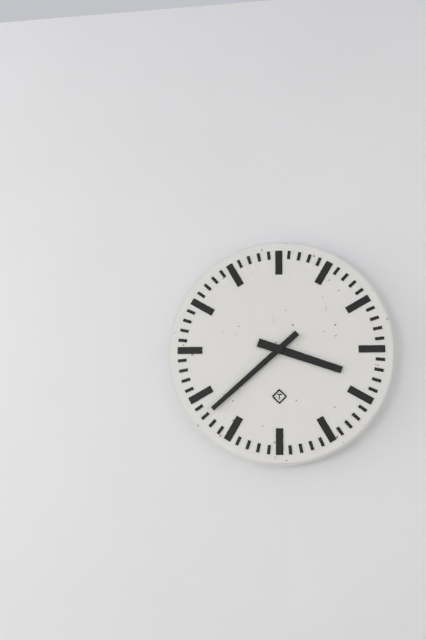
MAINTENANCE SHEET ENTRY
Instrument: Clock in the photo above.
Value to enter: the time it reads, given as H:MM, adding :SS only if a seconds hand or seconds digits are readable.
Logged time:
3:38
